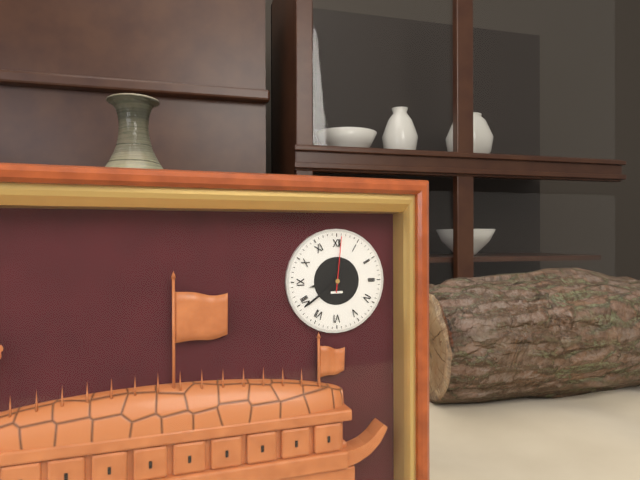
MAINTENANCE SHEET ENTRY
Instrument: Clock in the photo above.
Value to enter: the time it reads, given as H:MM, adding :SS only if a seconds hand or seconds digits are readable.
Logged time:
8:39:01
